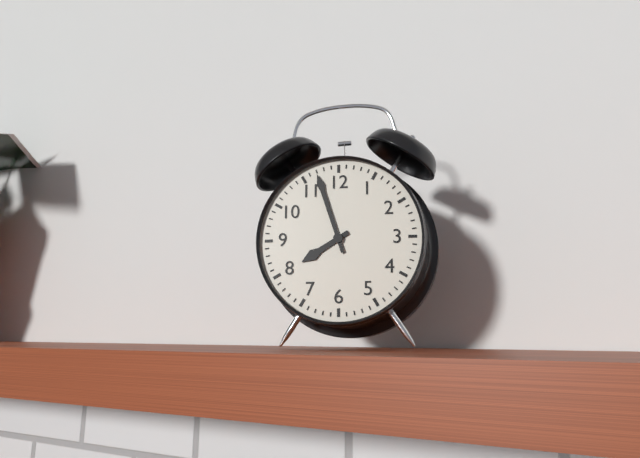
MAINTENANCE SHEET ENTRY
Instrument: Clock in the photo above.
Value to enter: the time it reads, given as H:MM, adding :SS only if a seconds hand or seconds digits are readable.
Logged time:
7:57
